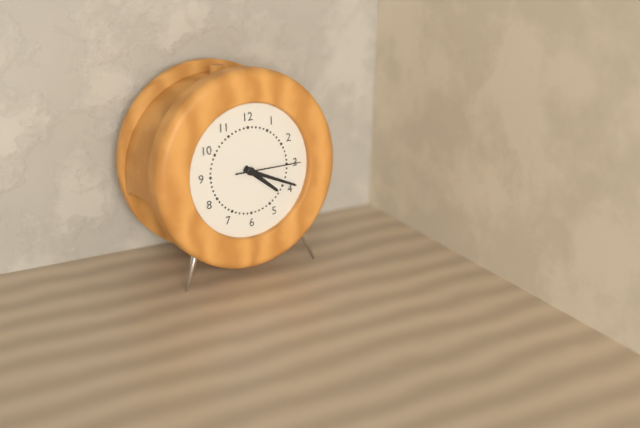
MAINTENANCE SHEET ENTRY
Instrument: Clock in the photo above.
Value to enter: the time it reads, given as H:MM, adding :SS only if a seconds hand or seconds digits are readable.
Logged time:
4:19:15
